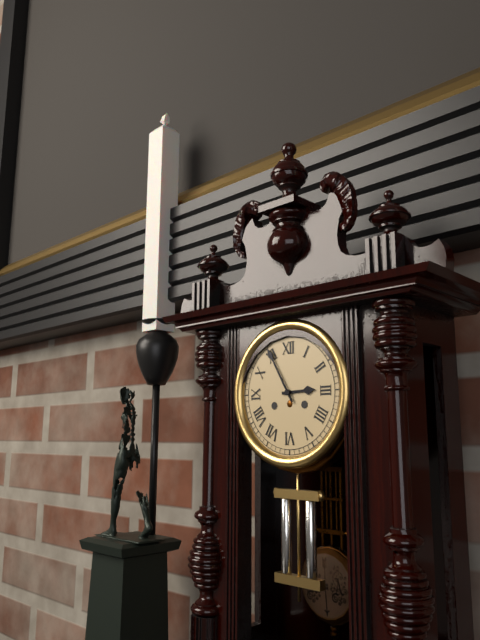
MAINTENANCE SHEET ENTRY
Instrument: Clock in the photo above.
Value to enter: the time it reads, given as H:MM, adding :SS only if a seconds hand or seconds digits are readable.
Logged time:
2:55
